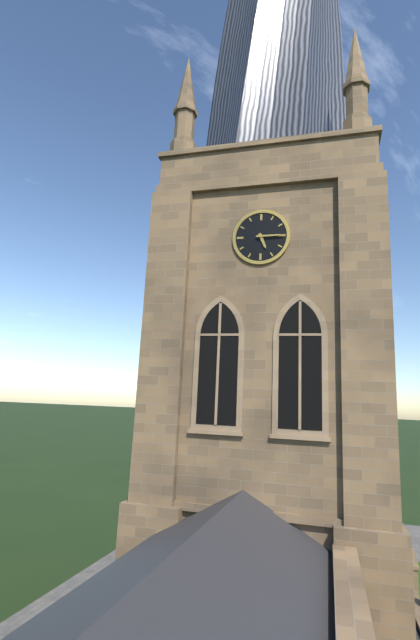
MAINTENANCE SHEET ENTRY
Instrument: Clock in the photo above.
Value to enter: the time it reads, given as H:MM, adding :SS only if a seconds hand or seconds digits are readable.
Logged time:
5:15
